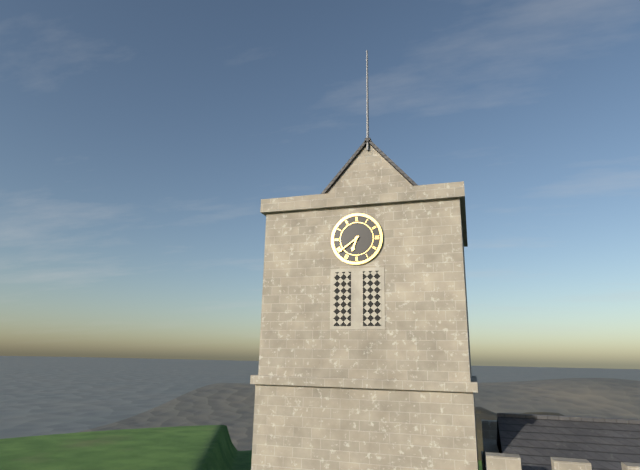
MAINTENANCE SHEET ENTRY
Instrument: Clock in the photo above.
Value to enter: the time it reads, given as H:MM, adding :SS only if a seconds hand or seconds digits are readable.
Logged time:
6:39
